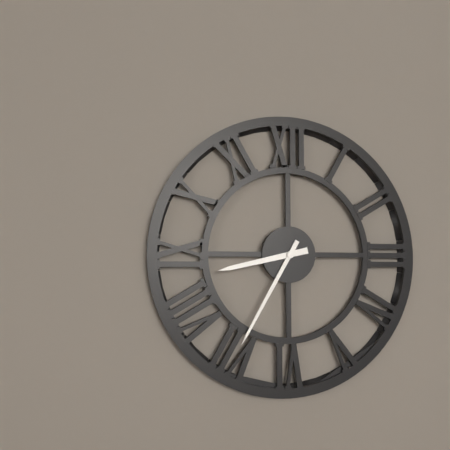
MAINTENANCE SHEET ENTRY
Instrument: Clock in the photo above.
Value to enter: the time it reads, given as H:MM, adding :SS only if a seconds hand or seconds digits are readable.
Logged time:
8:35
